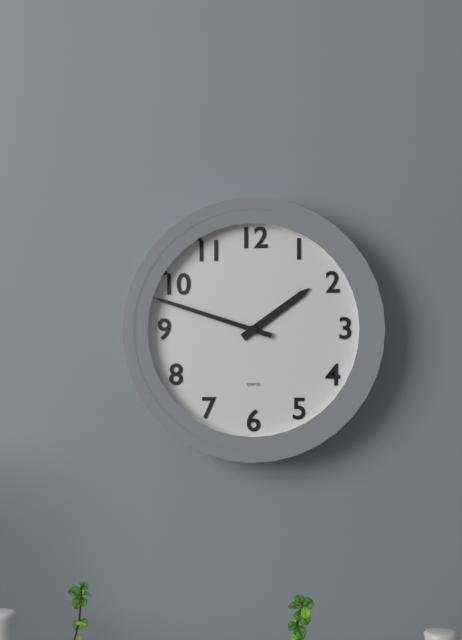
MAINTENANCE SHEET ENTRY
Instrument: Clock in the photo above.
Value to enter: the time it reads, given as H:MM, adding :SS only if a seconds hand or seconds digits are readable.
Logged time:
1:48
